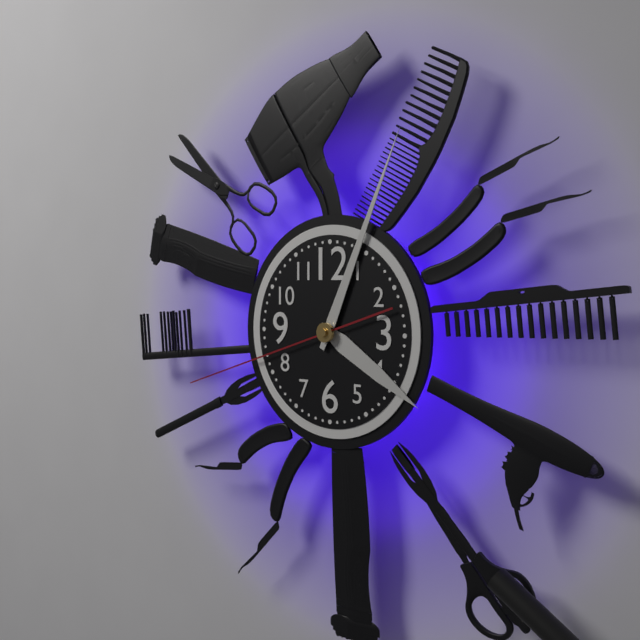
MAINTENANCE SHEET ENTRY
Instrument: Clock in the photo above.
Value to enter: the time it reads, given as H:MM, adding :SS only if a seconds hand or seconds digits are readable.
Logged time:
4:04:42
